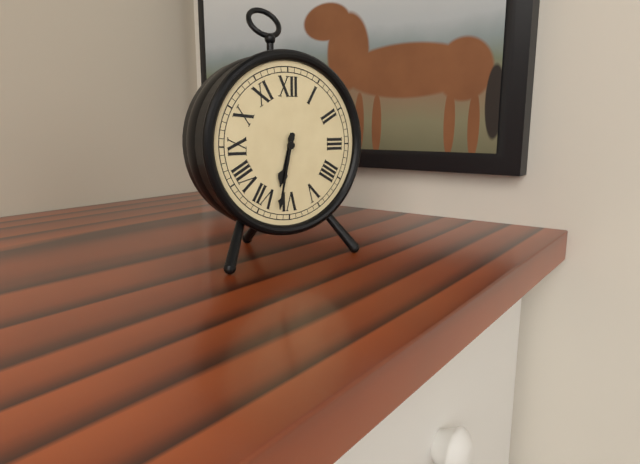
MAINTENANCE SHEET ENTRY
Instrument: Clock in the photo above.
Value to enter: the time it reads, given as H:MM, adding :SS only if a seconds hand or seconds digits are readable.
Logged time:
6:32
